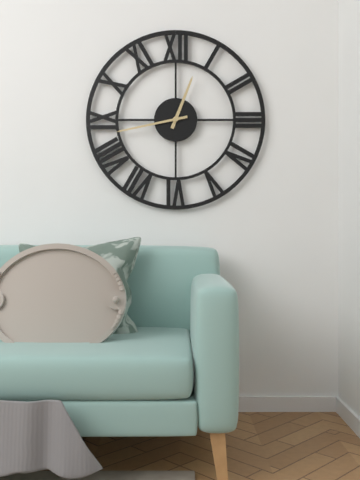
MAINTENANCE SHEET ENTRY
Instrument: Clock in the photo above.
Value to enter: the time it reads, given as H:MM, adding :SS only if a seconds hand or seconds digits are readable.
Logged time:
12:43
